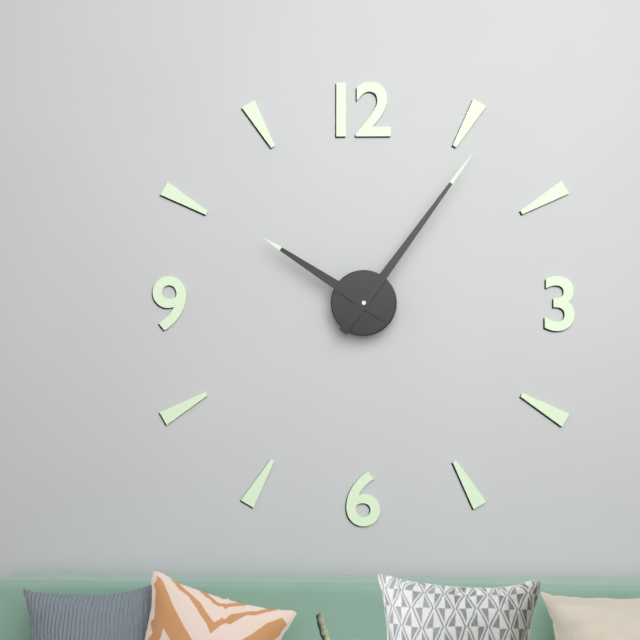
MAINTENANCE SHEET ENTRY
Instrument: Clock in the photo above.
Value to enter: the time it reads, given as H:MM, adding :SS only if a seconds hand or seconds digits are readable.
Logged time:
10:06
